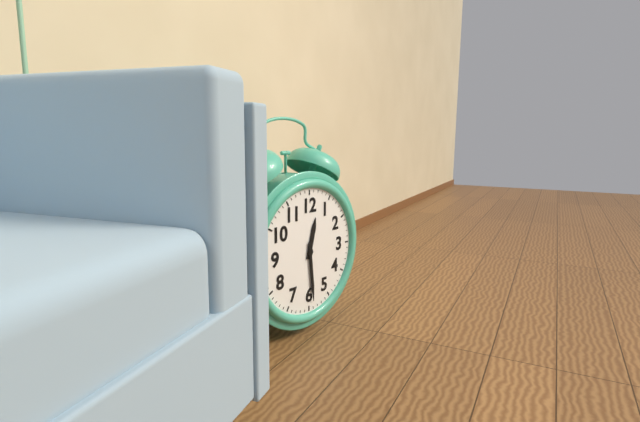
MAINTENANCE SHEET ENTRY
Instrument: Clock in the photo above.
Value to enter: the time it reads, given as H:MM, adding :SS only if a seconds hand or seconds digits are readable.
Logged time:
12:29
